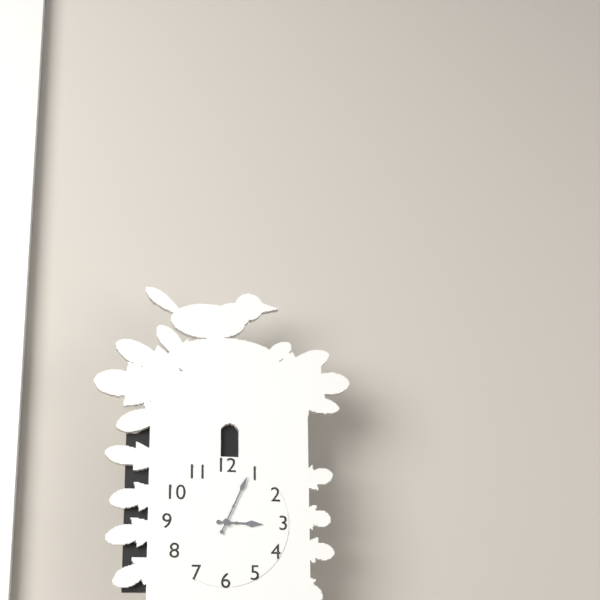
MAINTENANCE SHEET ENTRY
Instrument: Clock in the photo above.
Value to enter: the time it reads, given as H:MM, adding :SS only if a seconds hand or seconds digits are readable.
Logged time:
3:04
